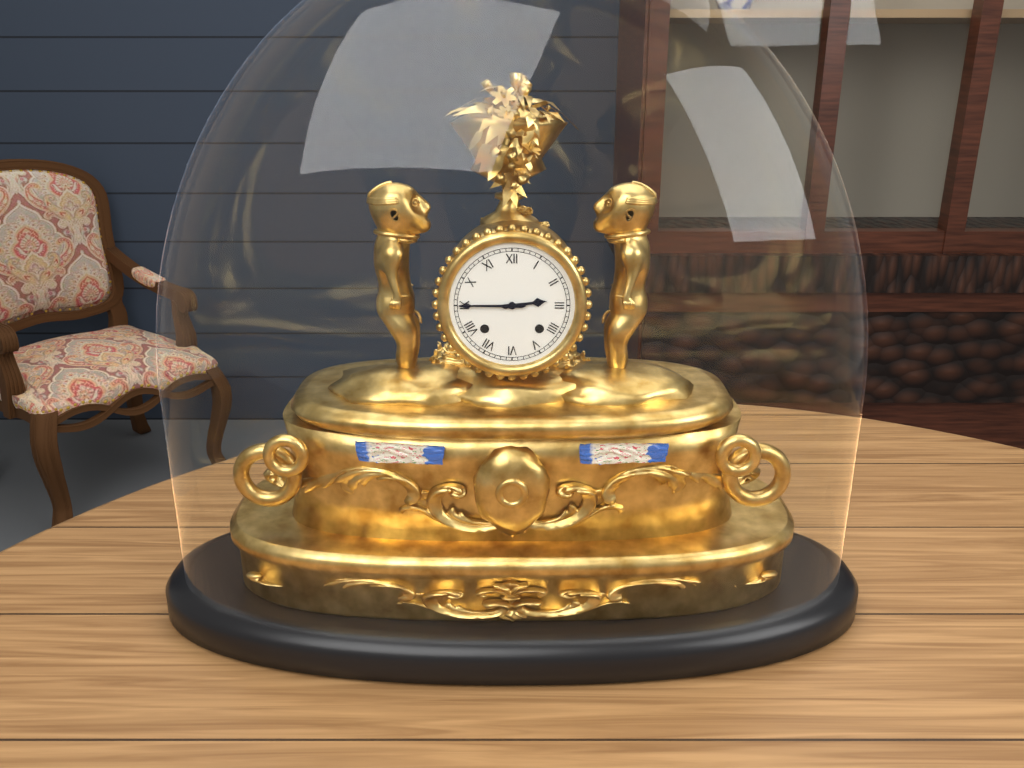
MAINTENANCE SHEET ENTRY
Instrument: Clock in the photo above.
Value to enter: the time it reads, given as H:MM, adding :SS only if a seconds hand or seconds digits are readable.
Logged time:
2:45
